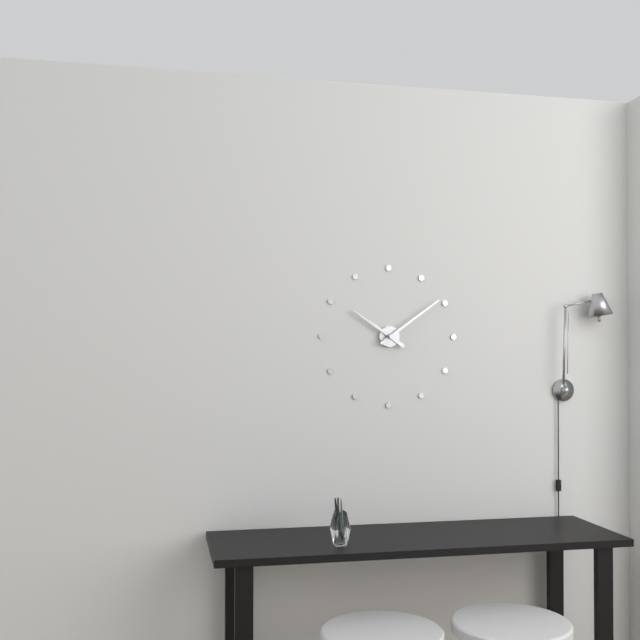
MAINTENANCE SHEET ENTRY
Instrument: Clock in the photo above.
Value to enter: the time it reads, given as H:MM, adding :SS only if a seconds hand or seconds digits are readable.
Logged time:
10:09
